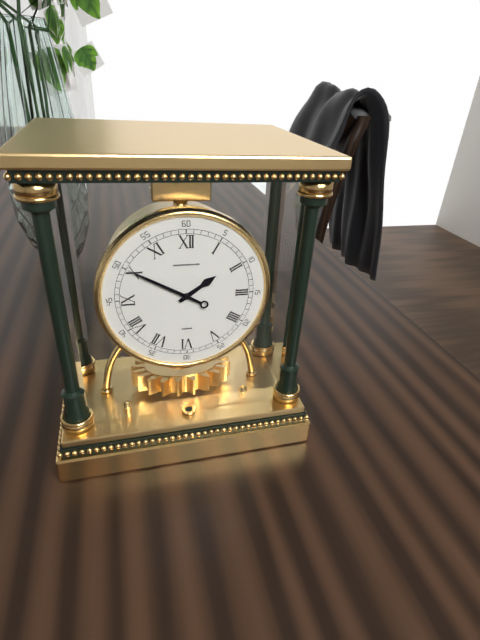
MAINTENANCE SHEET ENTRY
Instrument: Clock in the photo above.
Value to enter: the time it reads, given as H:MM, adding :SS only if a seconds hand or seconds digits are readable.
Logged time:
1:50
